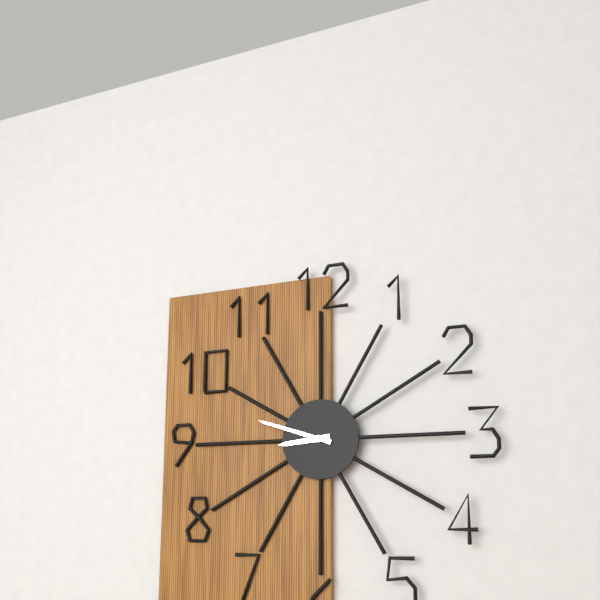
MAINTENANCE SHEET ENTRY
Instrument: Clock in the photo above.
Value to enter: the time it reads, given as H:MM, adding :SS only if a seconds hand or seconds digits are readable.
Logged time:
8:48
